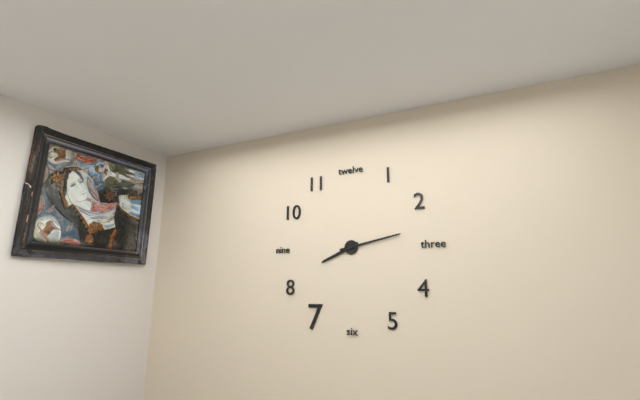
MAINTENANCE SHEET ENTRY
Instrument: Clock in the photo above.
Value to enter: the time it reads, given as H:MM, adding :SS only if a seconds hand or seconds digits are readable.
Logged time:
8:13
